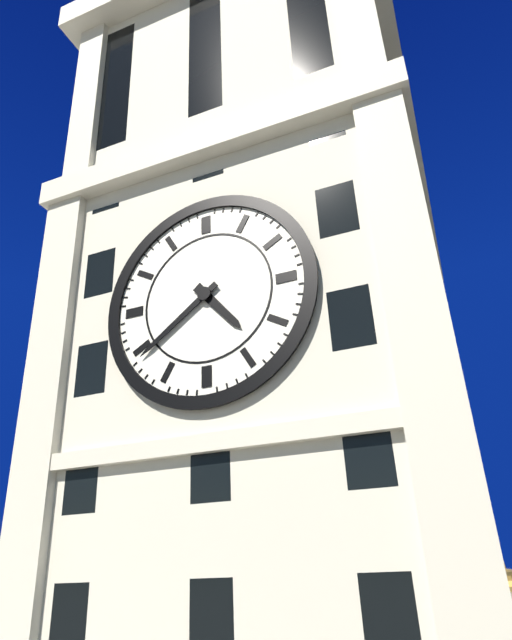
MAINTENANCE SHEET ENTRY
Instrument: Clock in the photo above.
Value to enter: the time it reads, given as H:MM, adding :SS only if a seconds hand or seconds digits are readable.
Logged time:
4:39
